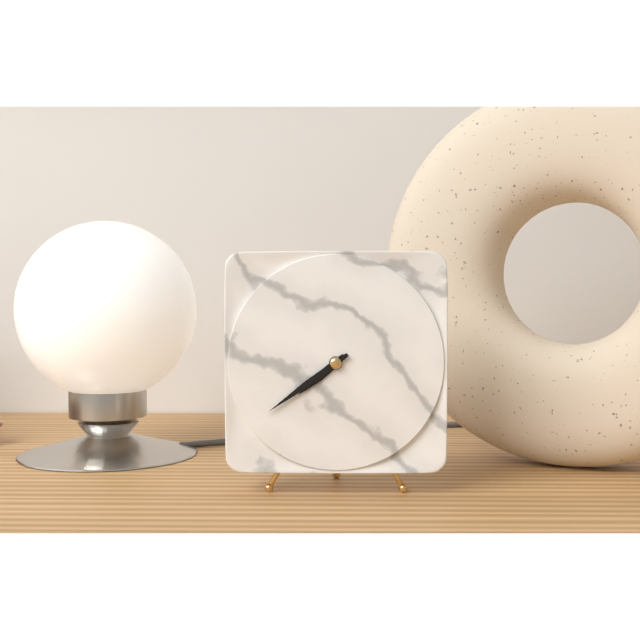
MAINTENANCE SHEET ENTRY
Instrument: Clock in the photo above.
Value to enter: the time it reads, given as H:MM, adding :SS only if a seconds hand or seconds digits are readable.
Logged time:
7:39
